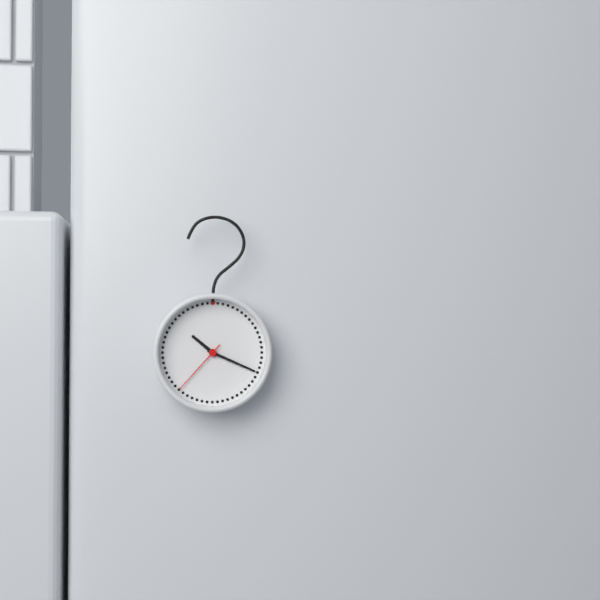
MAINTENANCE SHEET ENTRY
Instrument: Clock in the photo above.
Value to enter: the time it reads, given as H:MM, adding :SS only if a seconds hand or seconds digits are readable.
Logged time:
10:19:37
